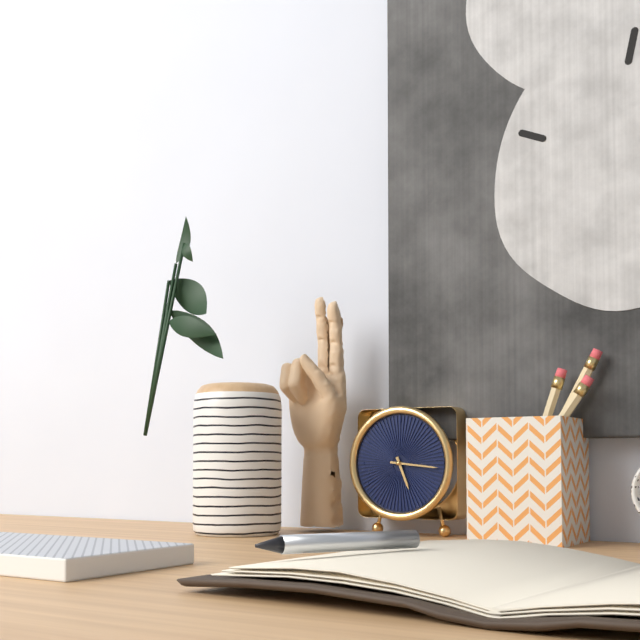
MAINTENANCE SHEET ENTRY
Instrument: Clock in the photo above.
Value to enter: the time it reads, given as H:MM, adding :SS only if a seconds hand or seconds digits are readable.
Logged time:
5:16
